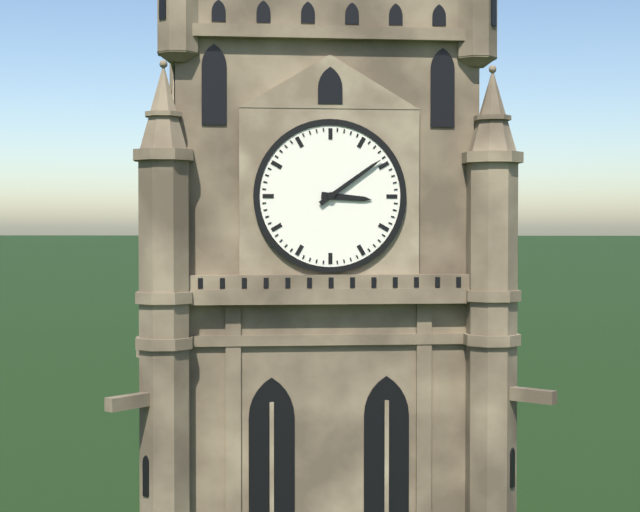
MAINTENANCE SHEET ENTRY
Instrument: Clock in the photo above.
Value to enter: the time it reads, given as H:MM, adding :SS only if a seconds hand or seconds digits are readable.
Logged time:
3:09
